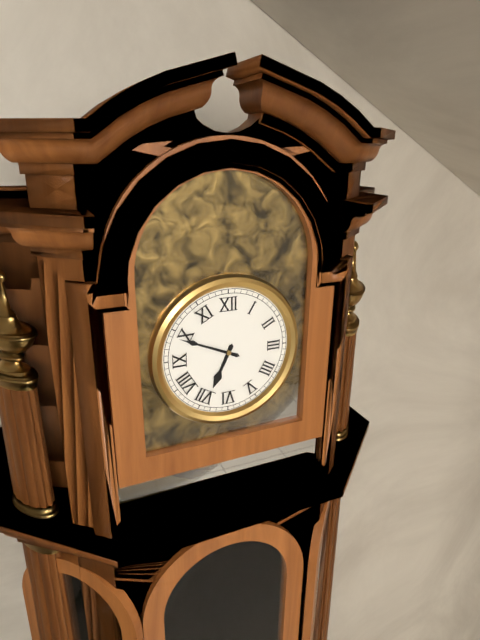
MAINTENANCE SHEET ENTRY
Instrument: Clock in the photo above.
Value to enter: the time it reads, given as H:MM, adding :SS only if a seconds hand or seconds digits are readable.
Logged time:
6:49
